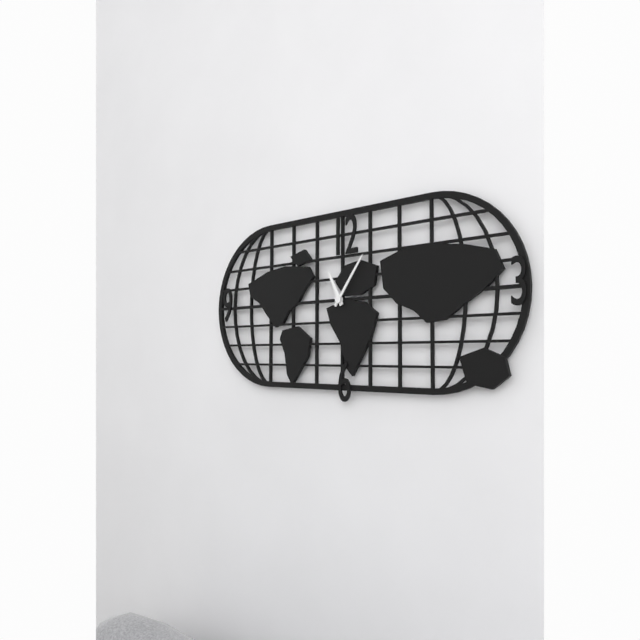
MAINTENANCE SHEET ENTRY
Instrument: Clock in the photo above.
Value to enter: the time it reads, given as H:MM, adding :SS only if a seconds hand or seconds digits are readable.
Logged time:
11:06
